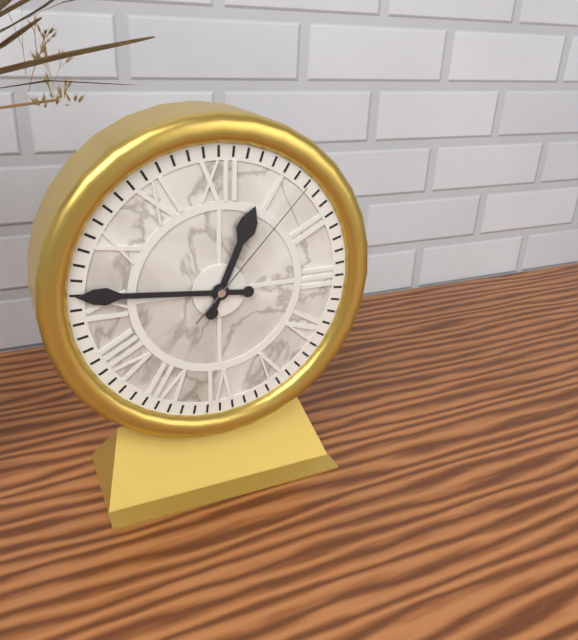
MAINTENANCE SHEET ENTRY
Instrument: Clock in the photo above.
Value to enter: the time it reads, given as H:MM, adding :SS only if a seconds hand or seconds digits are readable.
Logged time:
12:46:07
